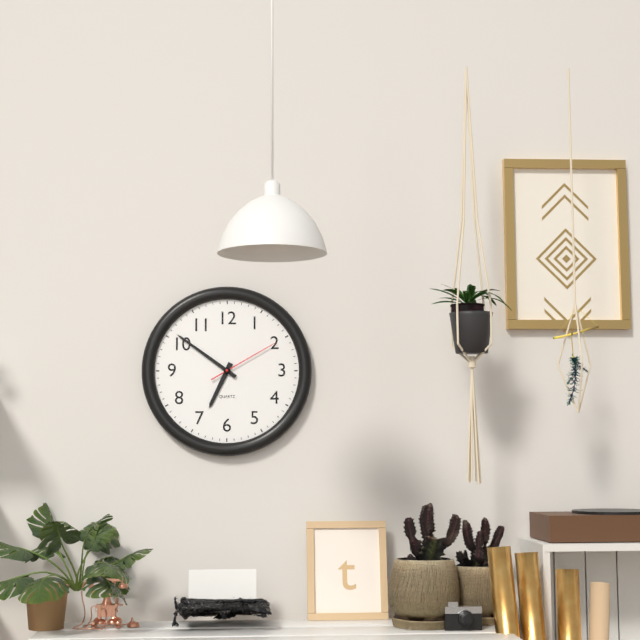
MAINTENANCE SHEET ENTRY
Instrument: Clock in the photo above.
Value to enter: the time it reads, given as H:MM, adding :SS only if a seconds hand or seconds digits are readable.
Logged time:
6:51:10
